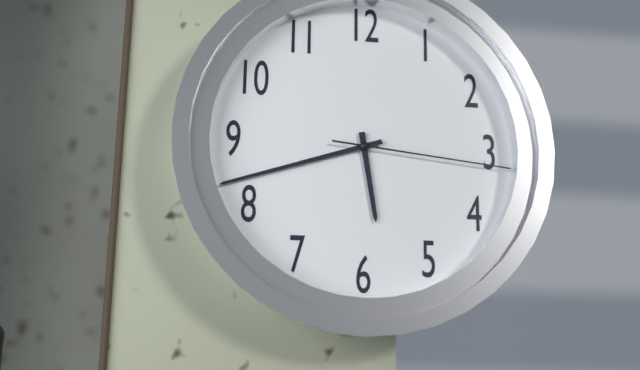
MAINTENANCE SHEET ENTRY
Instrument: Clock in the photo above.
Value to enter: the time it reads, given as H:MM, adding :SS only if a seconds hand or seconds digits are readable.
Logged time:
5:42:16
